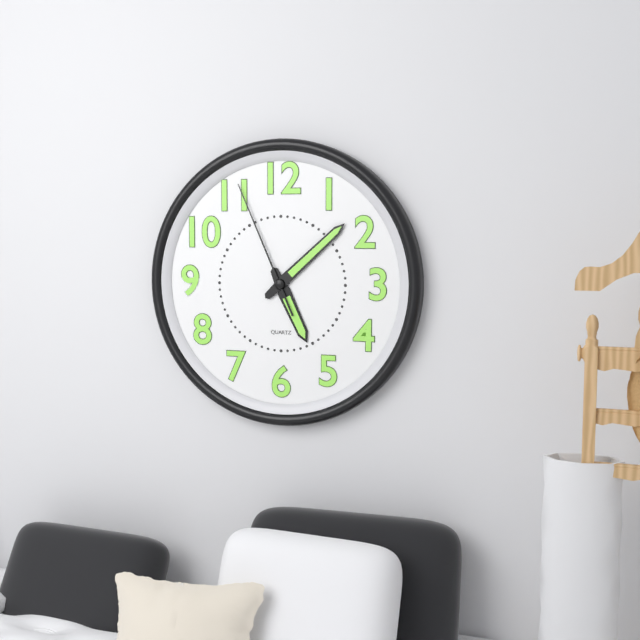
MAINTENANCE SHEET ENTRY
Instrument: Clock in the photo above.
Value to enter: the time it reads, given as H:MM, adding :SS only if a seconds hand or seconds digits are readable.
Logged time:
5:08:56
